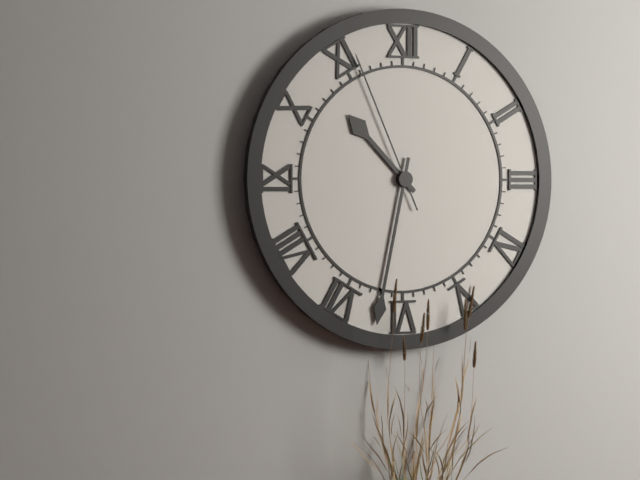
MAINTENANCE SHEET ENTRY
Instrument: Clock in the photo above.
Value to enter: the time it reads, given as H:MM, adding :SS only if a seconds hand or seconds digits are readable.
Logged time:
10:32:56
